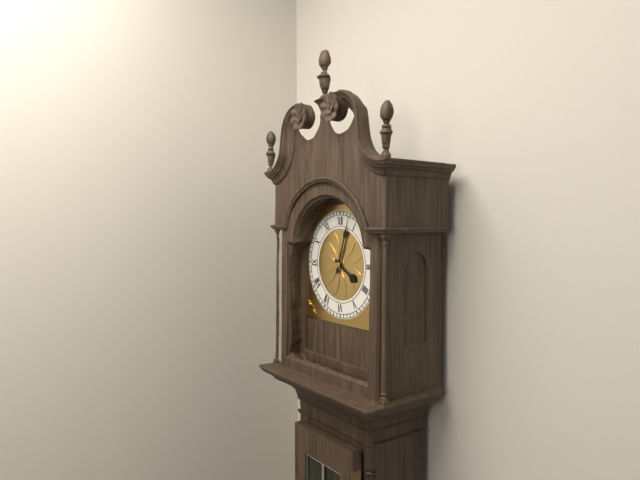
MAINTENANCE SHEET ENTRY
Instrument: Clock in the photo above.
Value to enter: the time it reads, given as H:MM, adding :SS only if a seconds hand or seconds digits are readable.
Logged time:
4:03
